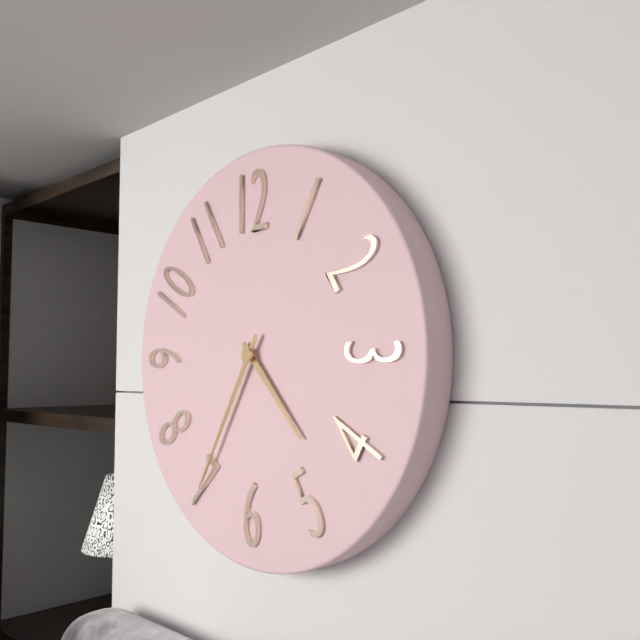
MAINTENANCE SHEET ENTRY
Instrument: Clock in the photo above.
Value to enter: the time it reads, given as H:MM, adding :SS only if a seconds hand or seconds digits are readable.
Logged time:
4:35
